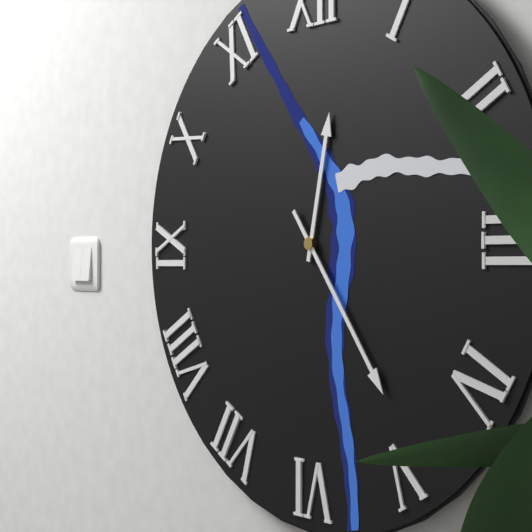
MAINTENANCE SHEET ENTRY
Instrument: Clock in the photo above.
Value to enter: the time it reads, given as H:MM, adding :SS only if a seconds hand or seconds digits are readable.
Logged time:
12:24
